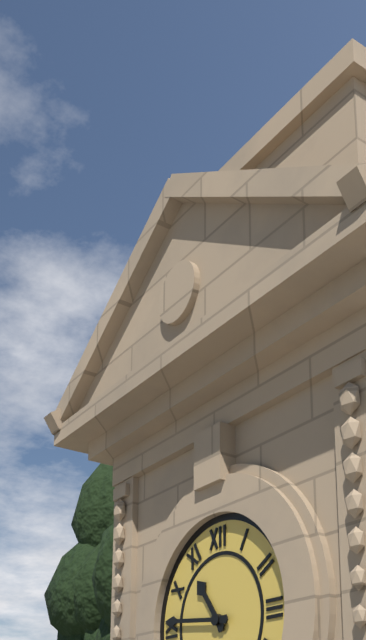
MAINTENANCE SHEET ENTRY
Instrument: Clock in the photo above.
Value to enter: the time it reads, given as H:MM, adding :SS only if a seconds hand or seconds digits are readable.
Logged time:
10:46
